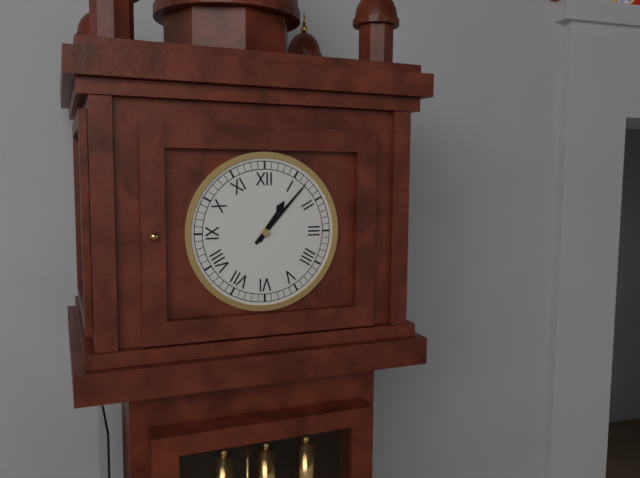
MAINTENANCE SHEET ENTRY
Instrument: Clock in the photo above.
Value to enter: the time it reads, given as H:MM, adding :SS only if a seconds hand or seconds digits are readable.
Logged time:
1:07
